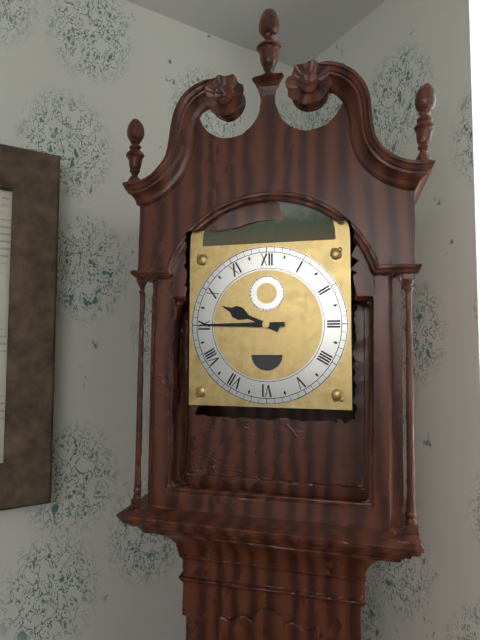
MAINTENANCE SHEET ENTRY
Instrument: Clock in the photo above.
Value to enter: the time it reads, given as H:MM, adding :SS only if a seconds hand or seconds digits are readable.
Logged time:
9:45
